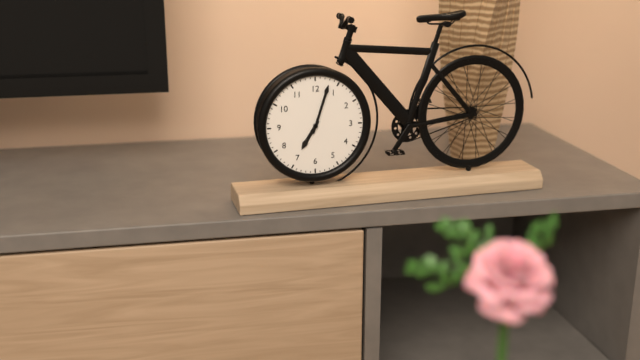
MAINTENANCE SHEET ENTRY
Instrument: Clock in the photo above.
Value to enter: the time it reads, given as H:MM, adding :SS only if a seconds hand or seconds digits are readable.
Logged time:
7:03
